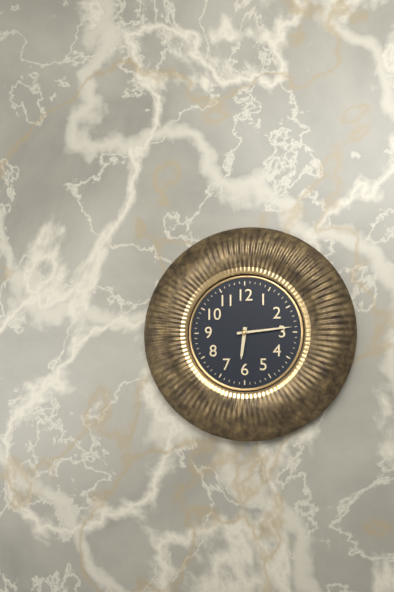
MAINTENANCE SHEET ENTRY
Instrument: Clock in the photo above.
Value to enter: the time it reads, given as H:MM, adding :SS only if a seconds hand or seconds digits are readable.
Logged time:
6:14
